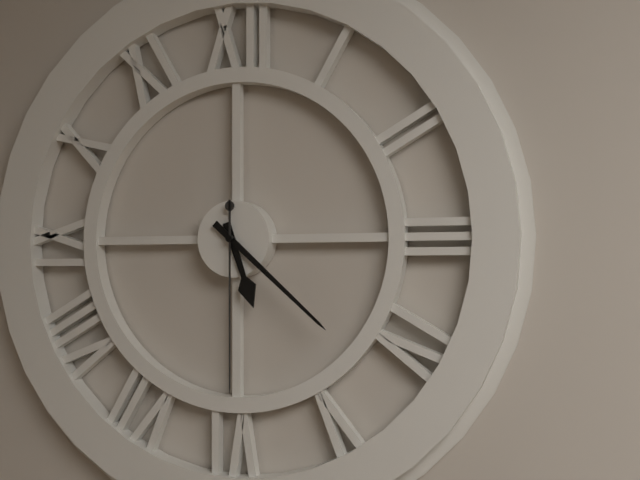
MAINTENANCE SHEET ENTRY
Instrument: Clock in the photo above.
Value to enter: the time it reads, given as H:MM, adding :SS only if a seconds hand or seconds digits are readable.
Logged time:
5:22:30
